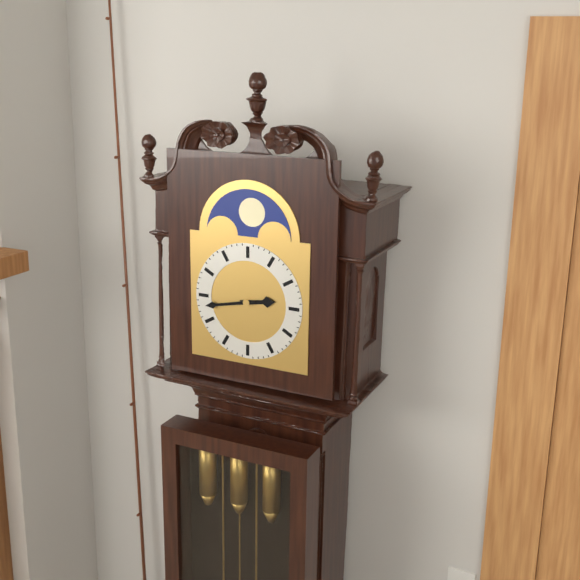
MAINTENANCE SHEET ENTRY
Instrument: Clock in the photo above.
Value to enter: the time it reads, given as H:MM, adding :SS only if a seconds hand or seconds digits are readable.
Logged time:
2:43
